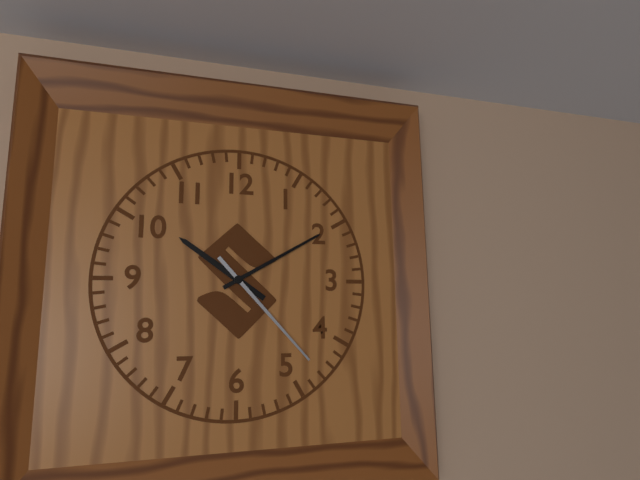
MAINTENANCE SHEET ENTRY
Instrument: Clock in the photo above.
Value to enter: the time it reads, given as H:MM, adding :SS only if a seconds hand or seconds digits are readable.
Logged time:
10:10:23
